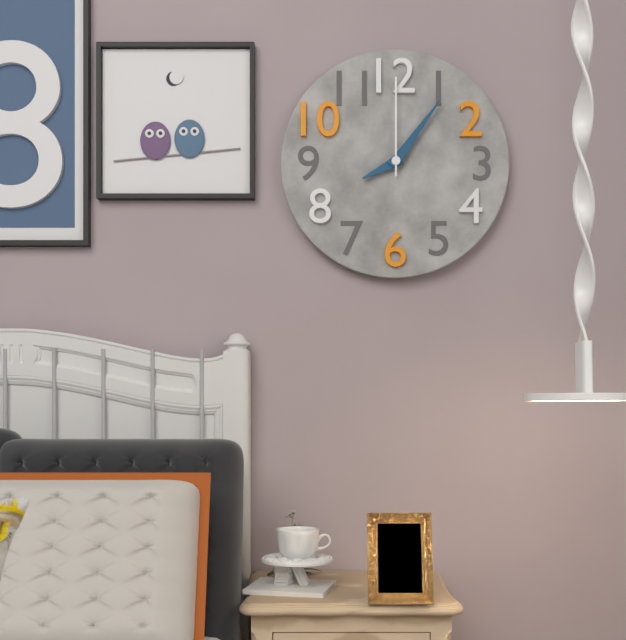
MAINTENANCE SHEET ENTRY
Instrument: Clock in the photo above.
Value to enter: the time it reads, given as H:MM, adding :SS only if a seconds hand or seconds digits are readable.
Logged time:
8:06:00
